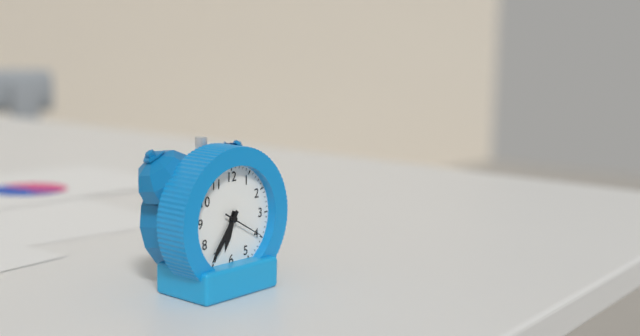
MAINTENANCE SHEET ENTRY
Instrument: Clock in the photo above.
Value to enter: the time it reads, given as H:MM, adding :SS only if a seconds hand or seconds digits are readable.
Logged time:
6:36
